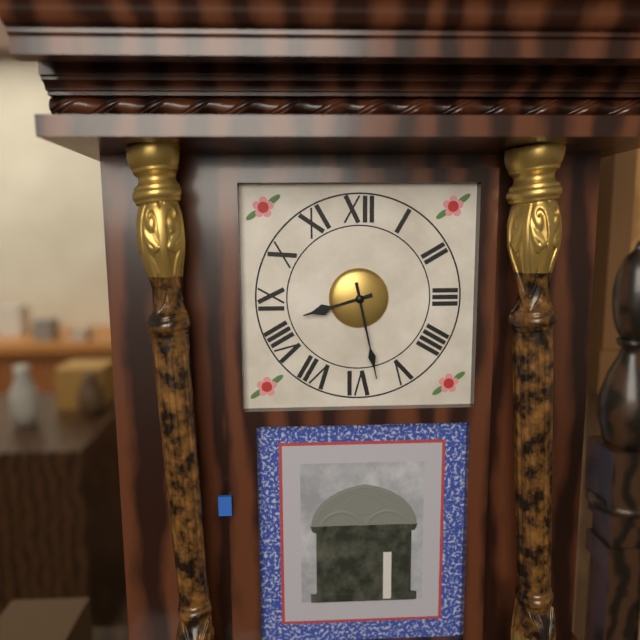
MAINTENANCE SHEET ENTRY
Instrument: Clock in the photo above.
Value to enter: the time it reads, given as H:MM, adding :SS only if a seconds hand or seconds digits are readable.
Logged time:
8:28
